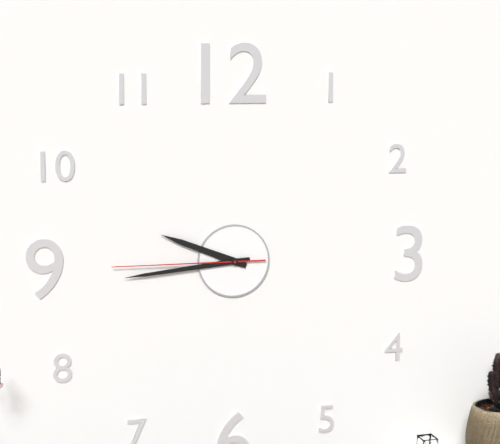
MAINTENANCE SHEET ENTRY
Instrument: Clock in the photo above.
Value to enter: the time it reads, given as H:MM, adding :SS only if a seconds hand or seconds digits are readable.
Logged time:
9:44:45
